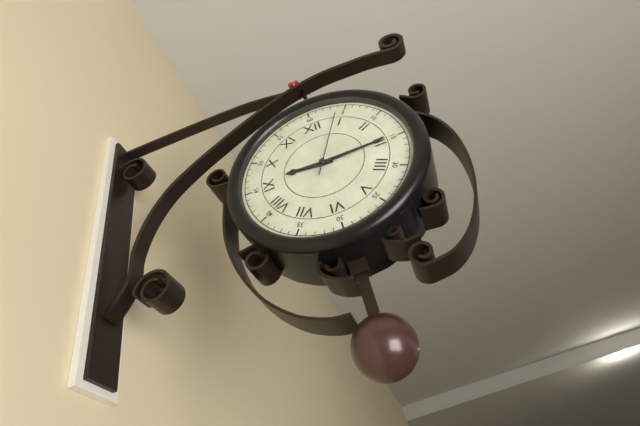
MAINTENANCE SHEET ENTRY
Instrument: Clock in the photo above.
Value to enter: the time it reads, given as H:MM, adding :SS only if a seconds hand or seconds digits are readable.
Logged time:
9:15:04
